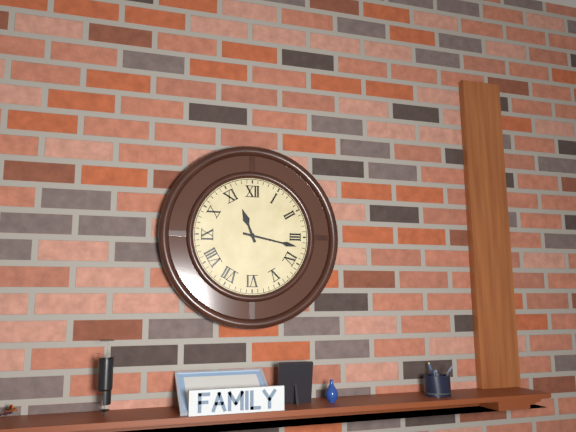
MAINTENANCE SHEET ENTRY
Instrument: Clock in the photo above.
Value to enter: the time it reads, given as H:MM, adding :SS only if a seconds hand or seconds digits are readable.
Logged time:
11:17
